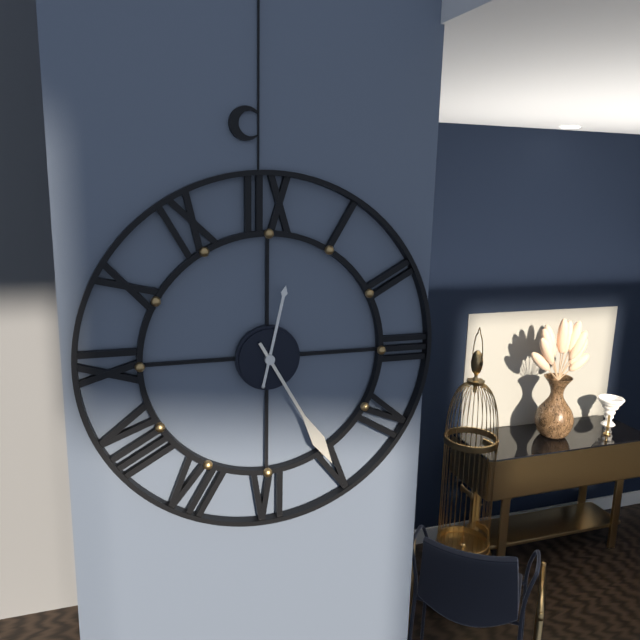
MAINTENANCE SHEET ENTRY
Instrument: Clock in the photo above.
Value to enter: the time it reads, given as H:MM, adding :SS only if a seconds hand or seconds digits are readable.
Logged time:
12:25
